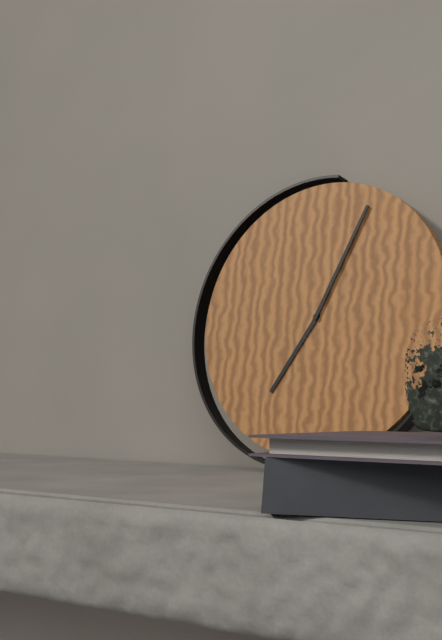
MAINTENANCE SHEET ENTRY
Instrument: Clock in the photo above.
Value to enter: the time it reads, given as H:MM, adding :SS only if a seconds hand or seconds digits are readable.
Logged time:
7:04
